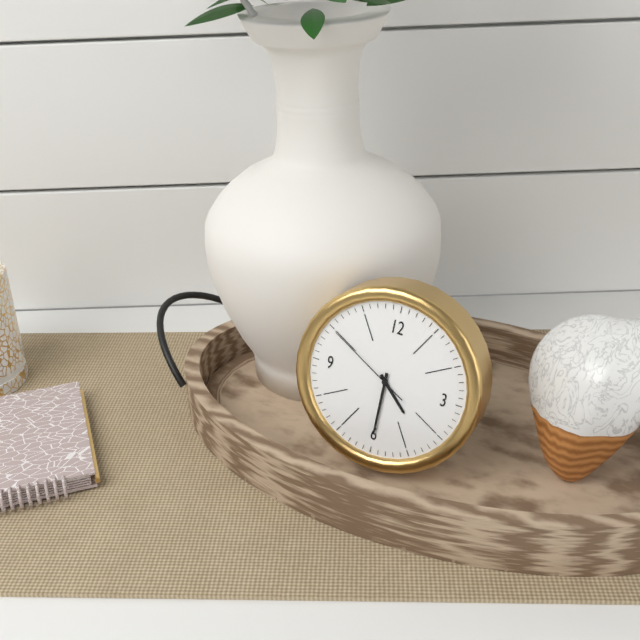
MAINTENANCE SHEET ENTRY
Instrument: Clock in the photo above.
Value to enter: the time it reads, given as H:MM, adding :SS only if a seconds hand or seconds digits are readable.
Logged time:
4:30:50
